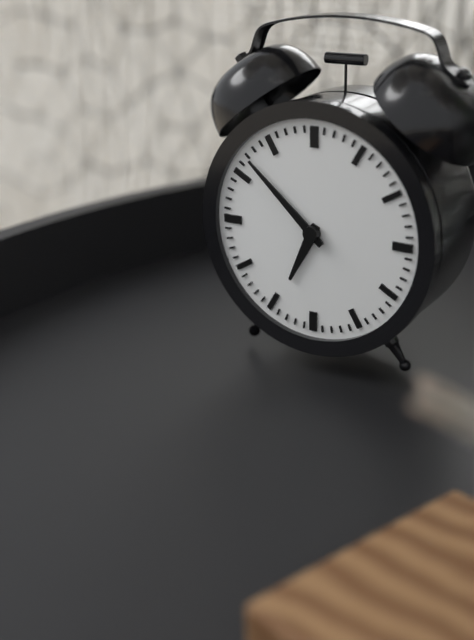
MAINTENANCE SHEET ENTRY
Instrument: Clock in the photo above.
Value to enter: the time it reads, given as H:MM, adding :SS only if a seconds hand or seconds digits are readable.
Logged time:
6:52
